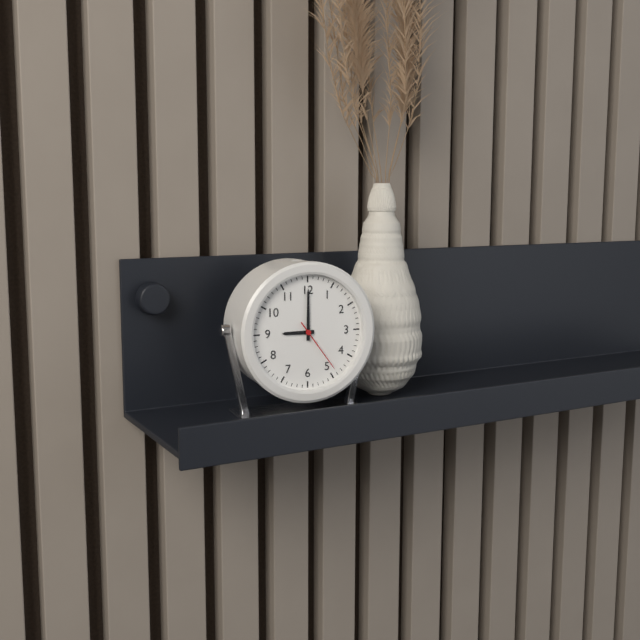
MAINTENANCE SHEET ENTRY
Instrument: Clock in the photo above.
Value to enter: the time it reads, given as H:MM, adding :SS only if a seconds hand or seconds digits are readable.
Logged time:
9:00:24
